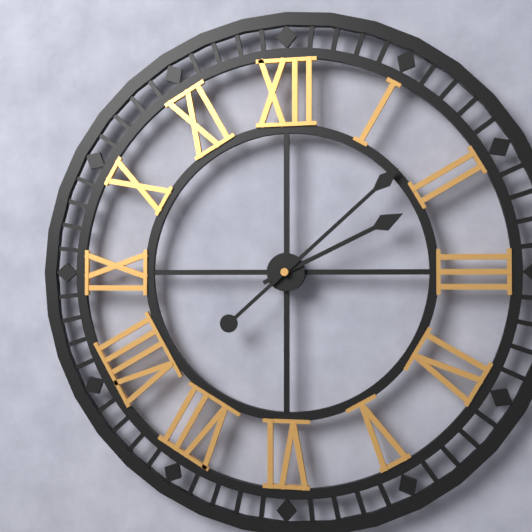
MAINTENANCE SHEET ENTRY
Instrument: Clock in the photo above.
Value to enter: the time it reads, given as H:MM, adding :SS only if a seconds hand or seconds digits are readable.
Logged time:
2:08
